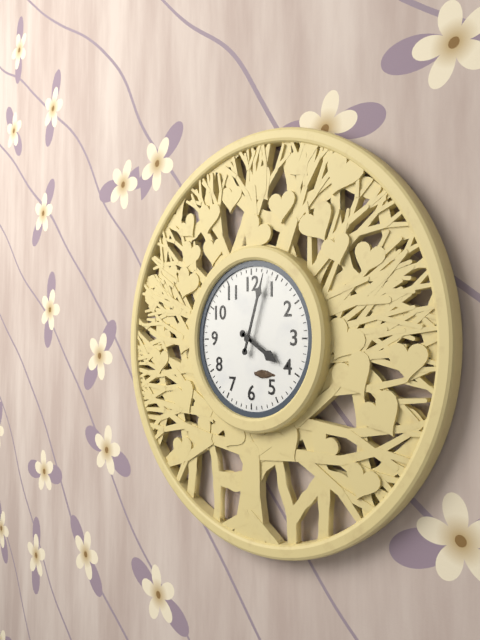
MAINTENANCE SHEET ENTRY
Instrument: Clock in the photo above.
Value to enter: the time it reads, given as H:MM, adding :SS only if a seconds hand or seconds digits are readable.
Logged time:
4:03
